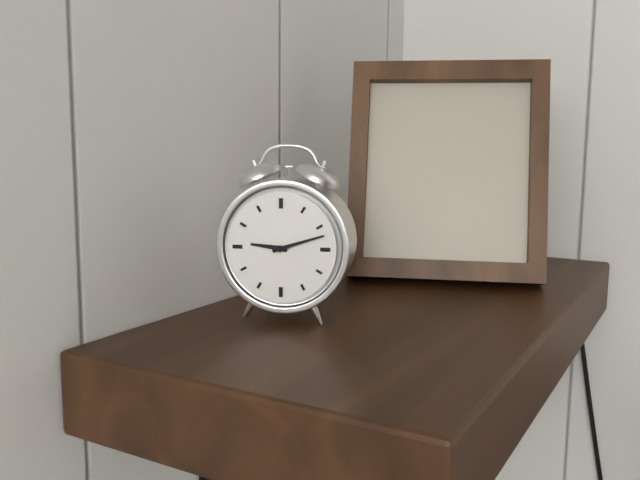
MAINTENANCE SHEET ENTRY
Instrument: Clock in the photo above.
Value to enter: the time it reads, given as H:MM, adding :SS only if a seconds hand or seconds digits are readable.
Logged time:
9:12
